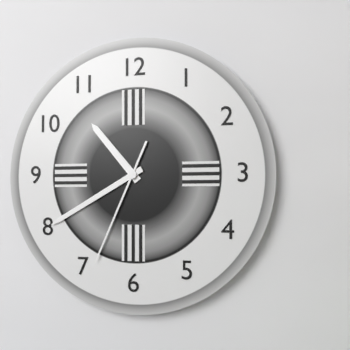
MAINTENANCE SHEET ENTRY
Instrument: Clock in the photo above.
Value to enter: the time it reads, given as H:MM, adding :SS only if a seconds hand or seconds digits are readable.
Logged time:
10:40:34
